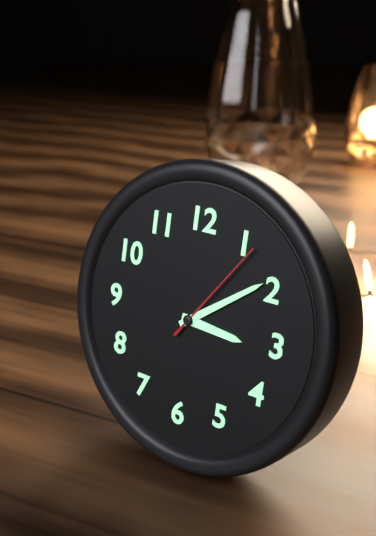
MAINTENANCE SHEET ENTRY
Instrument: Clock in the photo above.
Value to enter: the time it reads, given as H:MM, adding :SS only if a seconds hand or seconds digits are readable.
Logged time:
3:09:06
